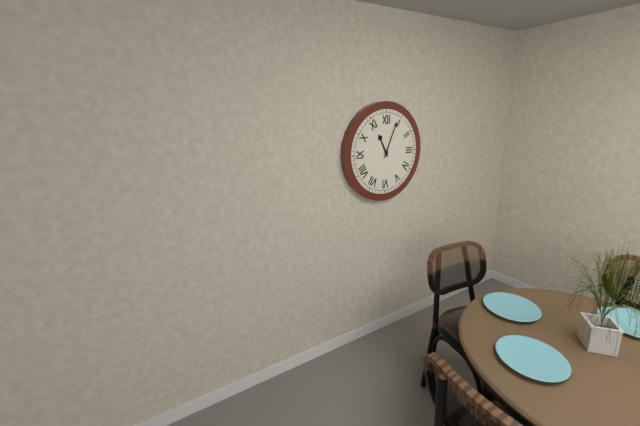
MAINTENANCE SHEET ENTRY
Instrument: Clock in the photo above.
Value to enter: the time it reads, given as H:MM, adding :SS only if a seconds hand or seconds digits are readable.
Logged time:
11:04
